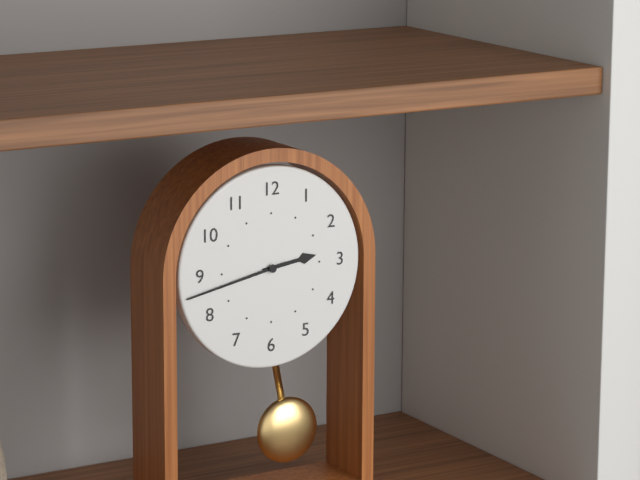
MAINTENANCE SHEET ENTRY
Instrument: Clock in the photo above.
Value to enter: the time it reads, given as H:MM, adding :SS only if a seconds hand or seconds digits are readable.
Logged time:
2:43
